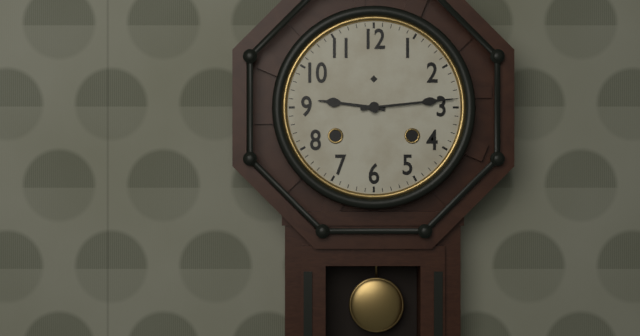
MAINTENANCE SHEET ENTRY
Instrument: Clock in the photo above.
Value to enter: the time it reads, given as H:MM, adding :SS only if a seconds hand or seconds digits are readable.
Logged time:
9:14
